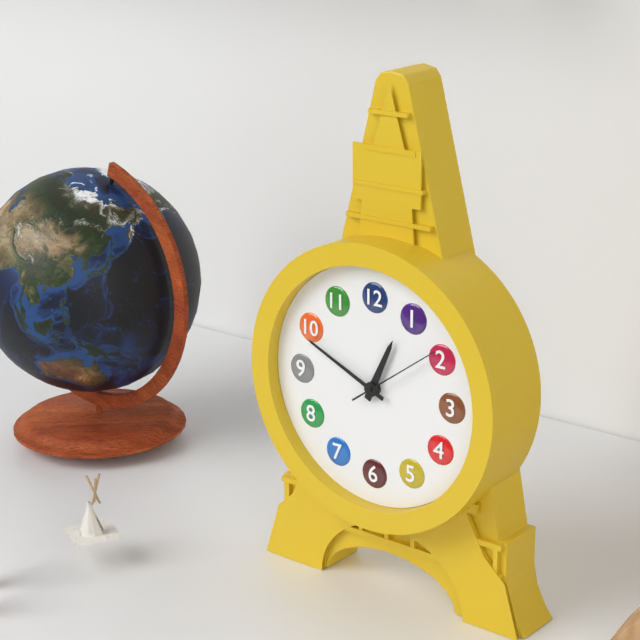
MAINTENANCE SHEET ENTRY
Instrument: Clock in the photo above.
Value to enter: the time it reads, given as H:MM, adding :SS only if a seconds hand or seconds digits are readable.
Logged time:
12:49:09
